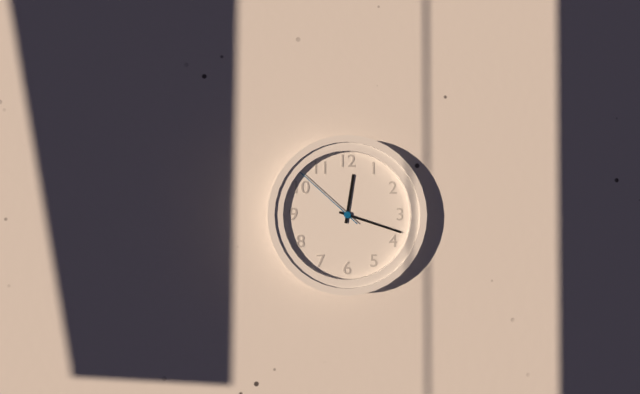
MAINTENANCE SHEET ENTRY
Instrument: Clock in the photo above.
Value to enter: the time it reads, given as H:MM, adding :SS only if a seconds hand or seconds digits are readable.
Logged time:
12:18:52
